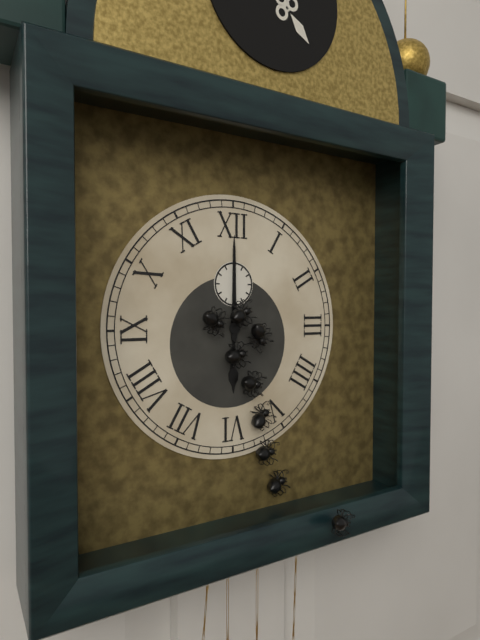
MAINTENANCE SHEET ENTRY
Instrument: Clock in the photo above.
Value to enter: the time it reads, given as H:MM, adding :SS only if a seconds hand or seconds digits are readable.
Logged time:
6:00
